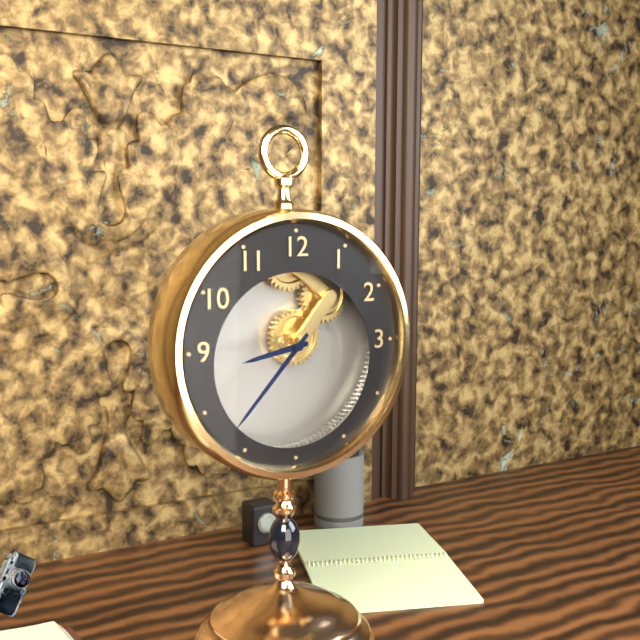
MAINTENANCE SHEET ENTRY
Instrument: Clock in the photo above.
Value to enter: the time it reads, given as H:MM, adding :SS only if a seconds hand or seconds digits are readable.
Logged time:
8:37
